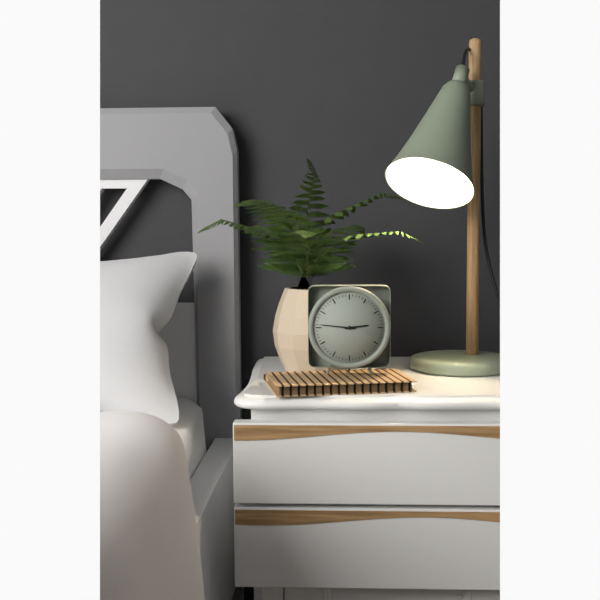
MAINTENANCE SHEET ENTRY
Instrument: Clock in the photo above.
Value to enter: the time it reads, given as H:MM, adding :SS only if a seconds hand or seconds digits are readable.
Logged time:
2:46
